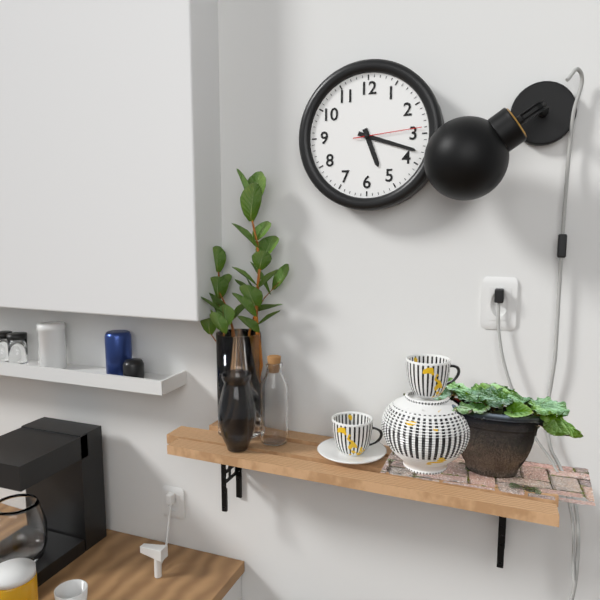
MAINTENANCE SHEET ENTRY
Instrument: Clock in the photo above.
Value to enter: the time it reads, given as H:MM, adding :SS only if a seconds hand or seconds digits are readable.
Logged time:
5:18:14
